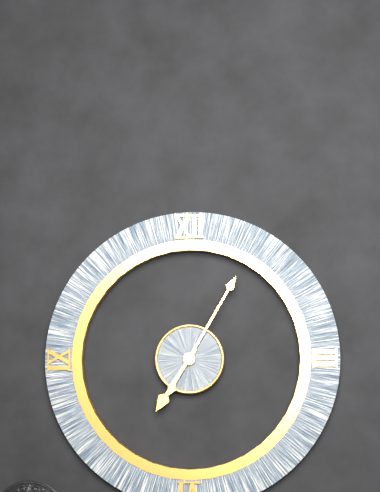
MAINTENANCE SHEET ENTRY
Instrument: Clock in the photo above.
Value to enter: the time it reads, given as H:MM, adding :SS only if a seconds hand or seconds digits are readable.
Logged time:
7:05
